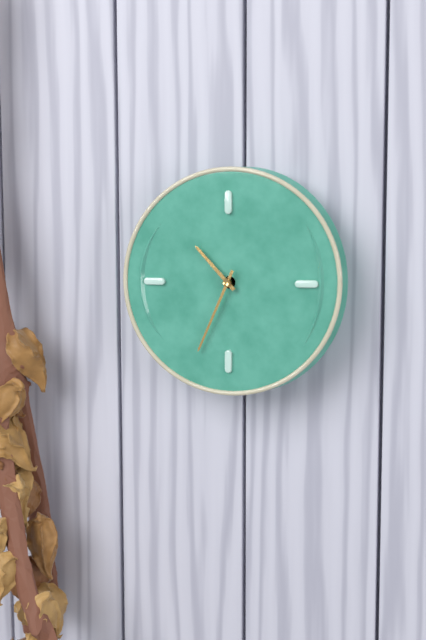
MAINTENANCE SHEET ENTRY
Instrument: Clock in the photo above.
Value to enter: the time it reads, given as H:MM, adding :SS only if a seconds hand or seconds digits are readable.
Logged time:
10:34
